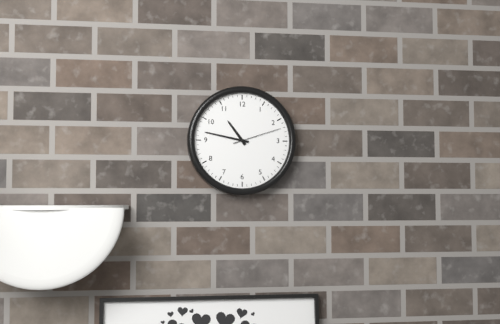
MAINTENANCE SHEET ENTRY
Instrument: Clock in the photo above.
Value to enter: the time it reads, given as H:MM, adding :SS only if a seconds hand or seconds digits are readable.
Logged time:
10:47:12
